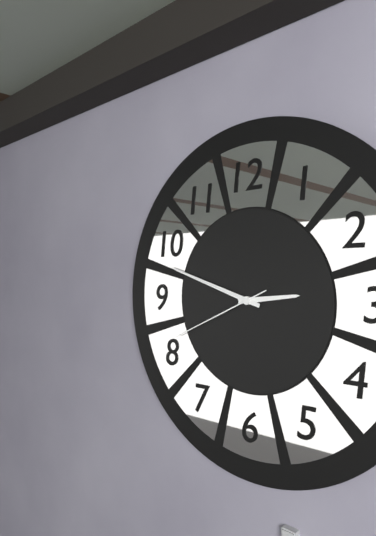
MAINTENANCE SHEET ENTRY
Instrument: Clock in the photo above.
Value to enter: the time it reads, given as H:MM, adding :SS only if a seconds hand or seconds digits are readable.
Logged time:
2:48:41
